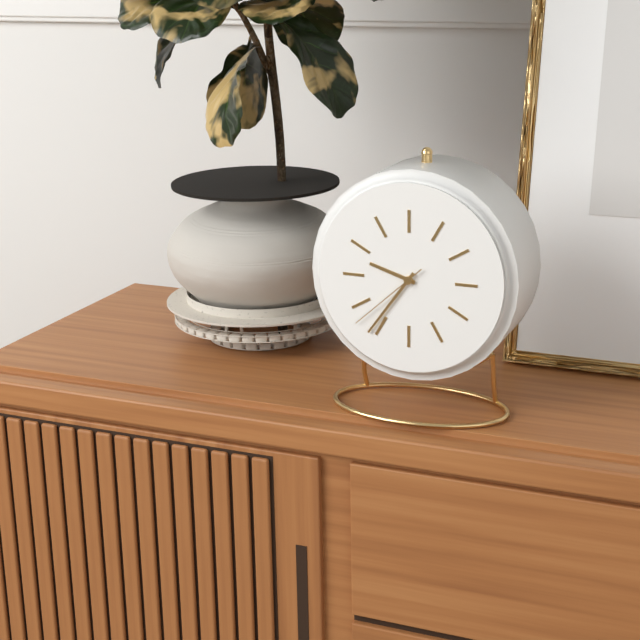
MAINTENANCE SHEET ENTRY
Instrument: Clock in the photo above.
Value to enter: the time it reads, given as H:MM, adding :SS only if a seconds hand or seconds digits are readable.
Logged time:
9:36:38
